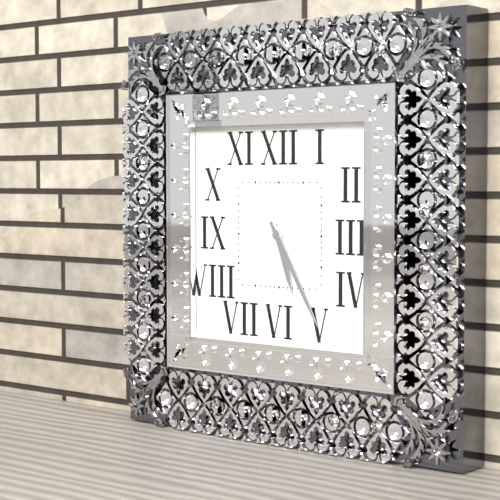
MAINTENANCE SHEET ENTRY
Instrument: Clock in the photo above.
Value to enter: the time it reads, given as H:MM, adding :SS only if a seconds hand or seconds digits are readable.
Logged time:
5:25
